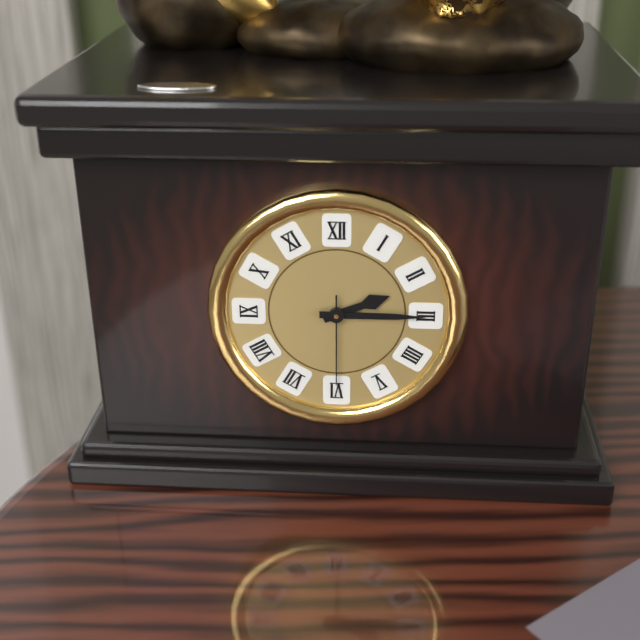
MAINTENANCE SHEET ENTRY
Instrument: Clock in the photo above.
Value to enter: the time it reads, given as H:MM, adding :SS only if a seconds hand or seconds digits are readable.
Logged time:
2:15:30
